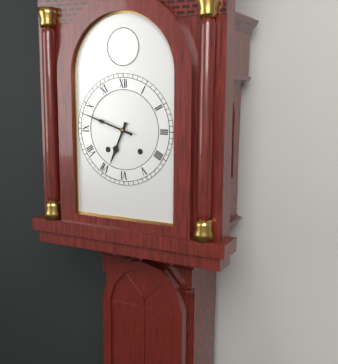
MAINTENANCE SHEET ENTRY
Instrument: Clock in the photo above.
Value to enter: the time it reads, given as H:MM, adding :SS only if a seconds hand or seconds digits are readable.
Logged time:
6:48
